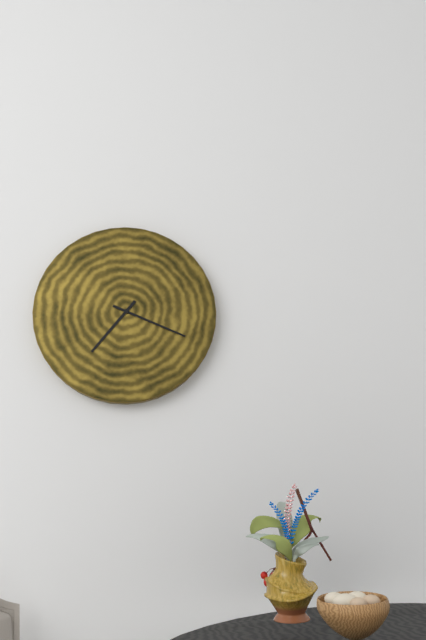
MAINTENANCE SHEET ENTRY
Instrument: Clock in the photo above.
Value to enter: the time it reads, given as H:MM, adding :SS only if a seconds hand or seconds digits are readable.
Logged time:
7:19
